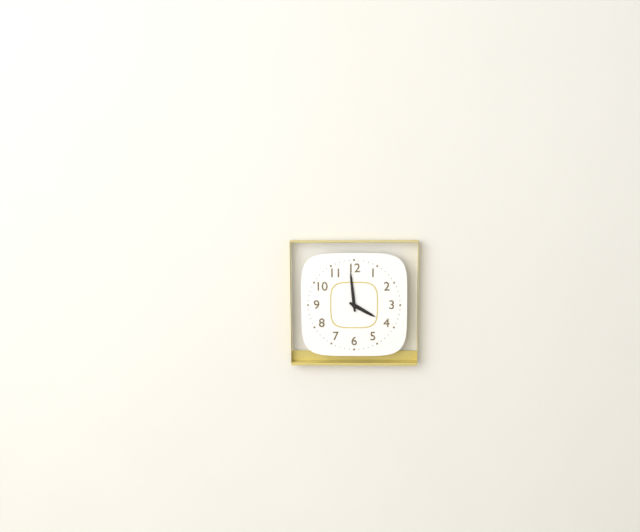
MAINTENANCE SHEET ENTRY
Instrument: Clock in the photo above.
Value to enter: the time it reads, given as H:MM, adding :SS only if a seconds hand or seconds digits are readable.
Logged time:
3:59
